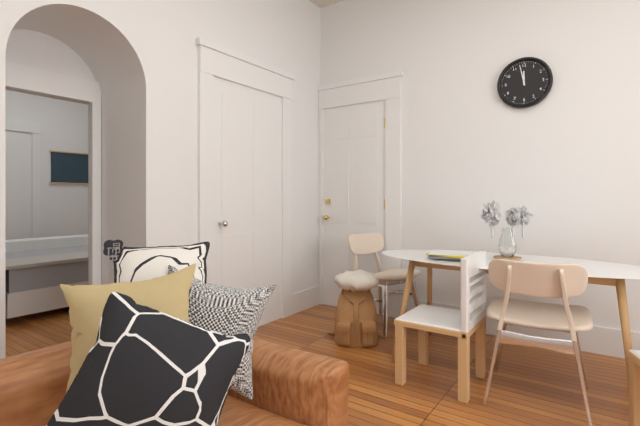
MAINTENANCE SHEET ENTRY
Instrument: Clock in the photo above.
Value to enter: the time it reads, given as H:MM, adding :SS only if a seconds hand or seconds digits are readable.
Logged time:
11:58
